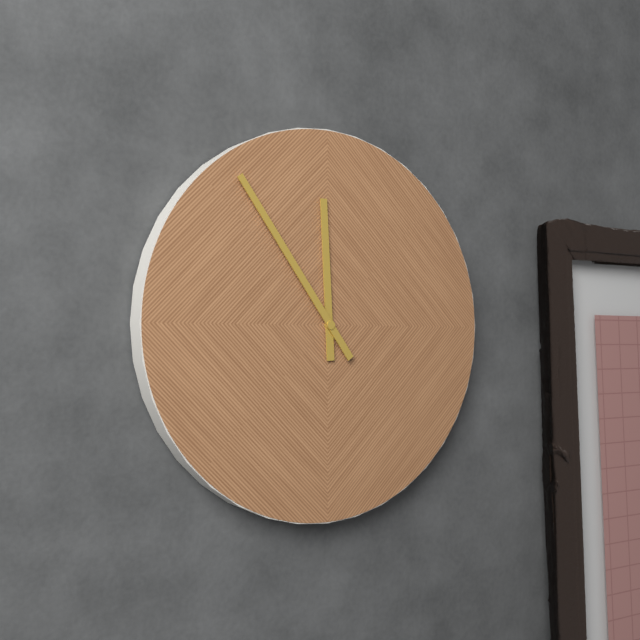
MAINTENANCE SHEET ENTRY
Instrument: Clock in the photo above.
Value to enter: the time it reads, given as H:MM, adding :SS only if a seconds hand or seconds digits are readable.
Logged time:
11:54
